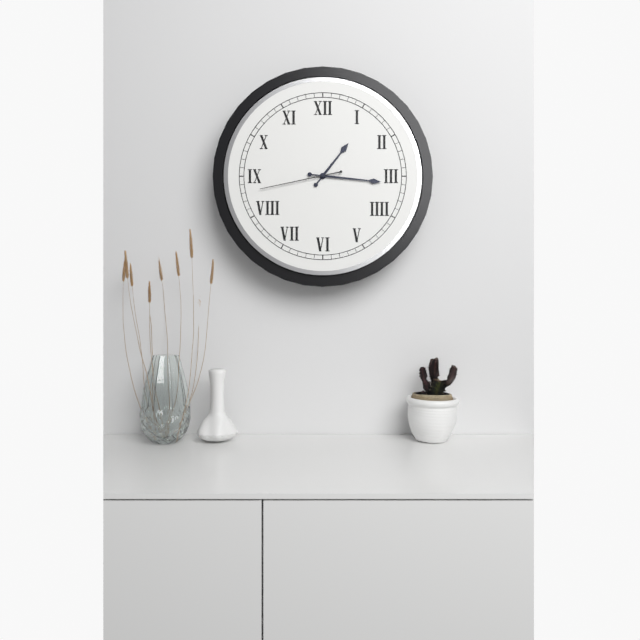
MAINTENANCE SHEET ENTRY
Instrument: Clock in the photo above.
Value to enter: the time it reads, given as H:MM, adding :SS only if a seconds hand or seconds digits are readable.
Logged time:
1:16:43
